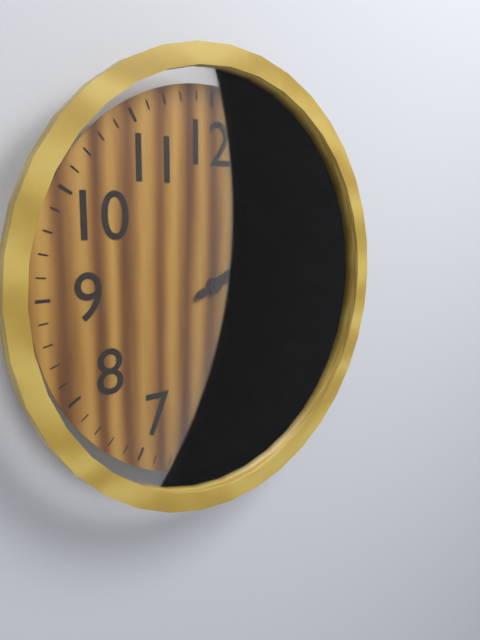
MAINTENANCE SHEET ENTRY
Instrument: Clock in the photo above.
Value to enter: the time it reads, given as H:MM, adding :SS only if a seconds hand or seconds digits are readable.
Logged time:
2:11
